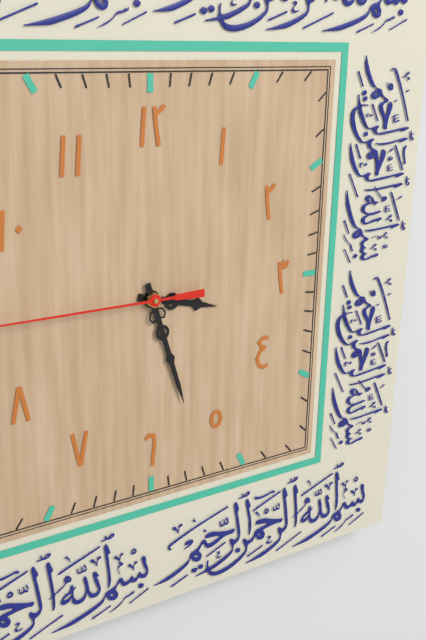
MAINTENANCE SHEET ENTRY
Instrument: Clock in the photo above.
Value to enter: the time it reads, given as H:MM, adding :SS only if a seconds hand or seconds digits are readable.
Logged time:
3:27
